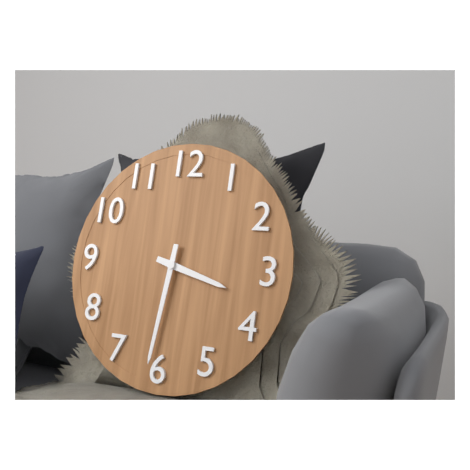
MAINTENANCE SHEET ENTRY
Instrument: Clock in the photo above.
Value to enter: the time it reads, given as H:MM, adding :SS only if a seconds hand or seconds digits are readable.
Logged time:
3:31
